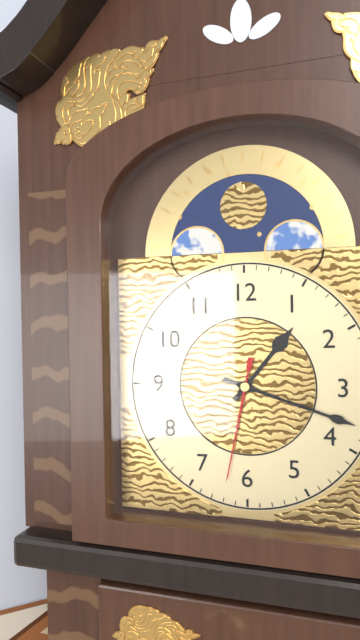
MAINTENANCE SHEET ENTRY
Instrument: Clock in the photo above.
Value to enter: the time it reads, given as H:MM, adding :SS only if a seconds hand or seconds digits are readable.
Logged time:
1:18:32
